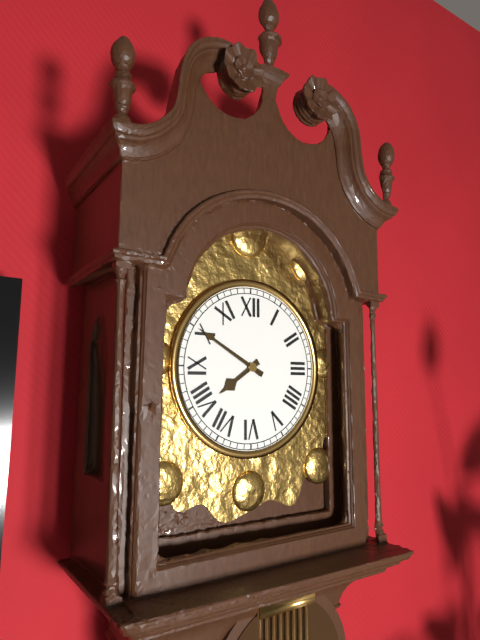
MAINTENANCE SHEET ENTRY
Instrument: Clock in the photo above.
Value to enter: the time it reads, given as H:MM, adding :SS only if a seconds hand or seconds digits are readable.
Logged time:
7:50
